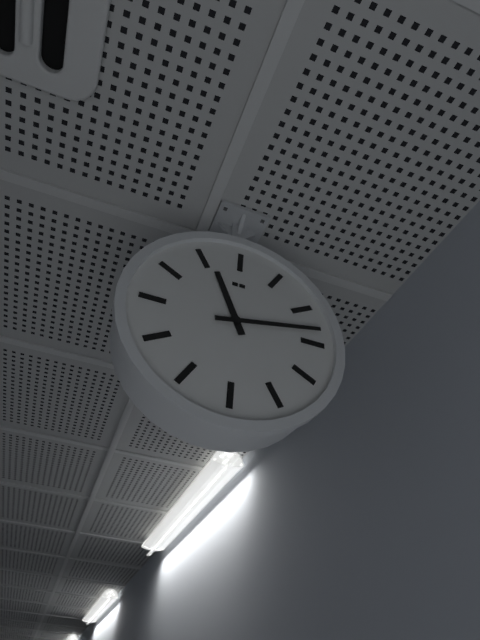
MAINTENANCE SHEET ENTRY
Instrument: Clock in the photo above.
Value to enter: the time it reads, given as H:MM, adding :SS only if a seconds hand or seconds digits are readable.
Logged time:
11:13
